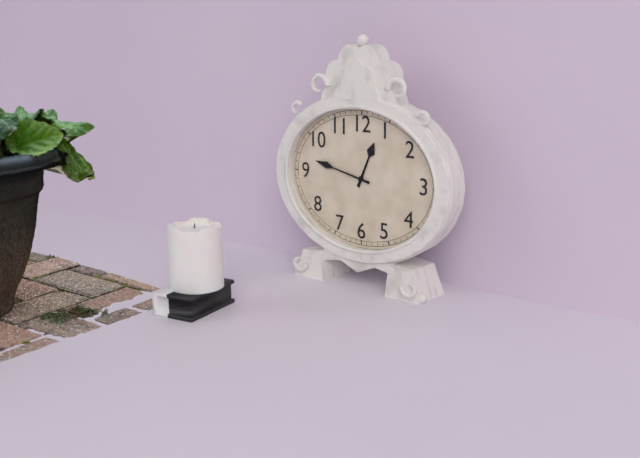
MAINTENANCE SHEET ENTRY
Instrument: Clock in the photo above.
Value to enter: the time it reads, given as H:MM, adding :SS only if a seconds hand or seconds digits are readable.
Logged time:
12:47
